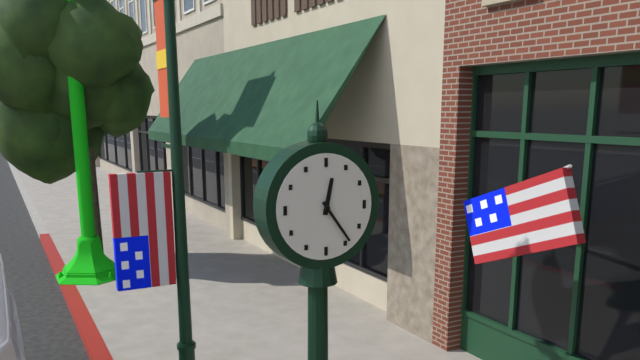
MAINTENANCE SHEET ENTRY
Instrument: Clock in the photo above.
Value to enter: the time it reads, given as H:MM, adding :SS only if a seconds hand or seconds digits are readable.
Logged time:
12:24
